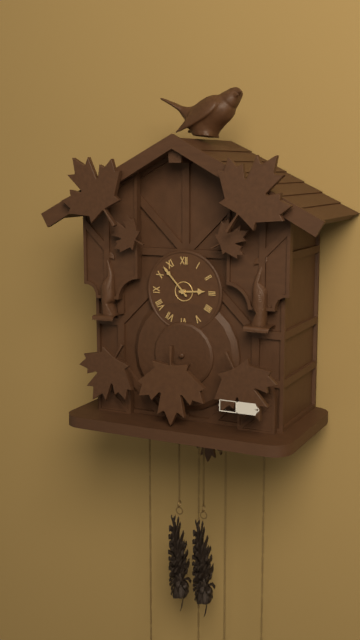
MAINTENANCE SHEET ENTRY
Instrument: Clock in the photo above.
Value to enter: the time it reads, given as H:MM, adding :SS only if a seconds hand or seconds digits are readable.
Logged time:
2:53
